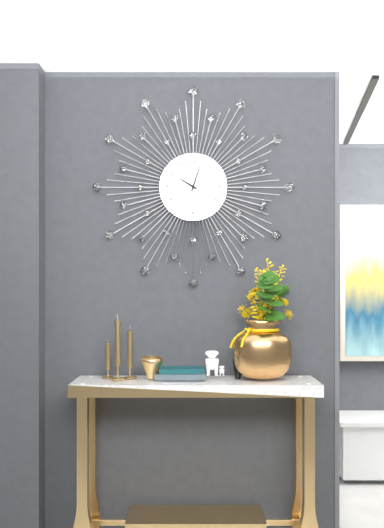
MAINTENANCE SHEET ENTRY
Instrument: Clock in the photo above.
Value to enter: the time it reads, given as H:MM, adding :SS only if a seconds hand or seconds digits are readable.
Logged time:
10:03
